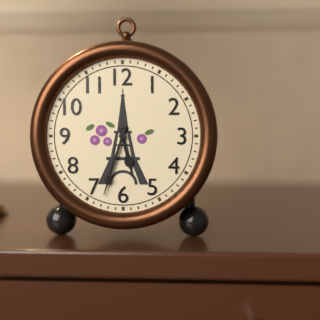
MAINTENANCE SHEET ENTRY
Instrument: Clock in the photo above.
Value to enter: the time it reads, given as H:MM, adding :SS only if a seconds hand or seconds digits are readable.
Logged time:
5:33
